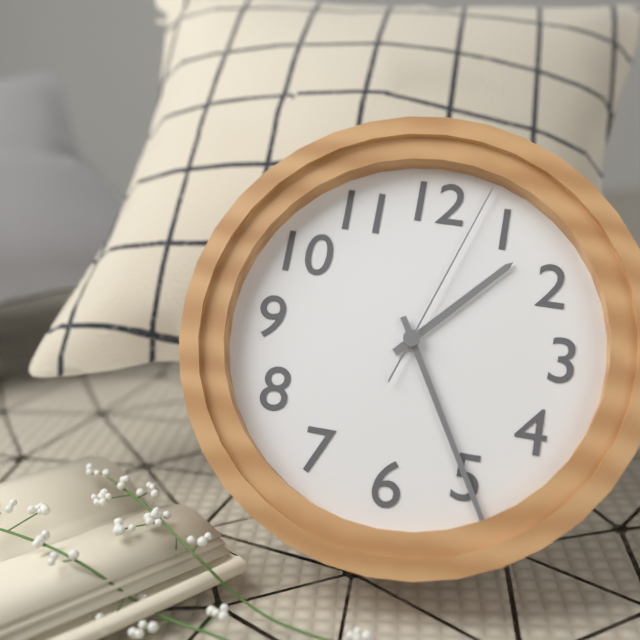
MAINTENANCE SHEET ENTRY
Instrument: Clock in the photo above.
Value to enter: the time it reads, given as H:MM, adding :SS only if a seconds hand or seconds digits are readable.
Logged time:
1:25:03
